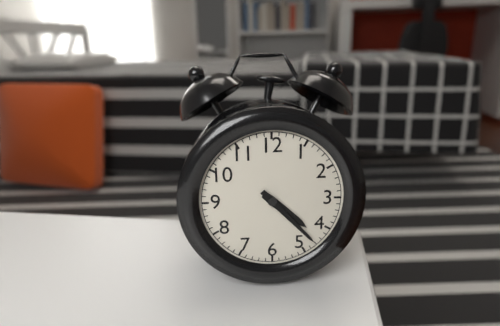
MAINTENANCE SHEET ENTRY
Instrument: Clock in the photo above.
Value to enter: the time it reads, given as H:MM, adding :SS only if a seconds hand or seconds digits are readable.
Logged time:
4:23
